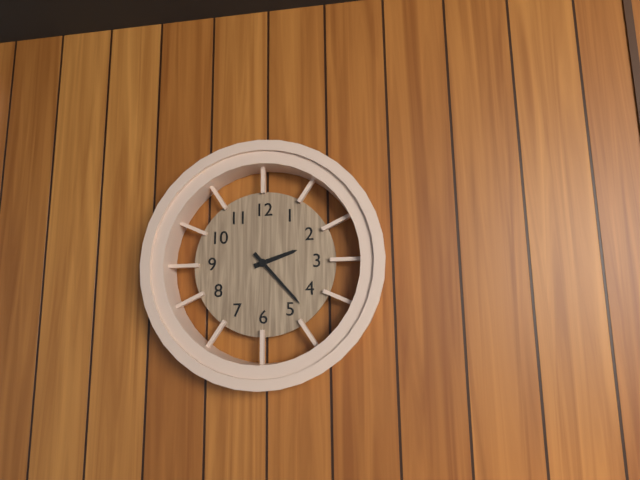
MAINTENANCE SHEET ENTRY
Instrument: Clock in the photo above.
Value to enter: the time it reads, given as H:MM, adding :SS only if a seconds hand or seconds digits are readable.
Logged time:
2:23
